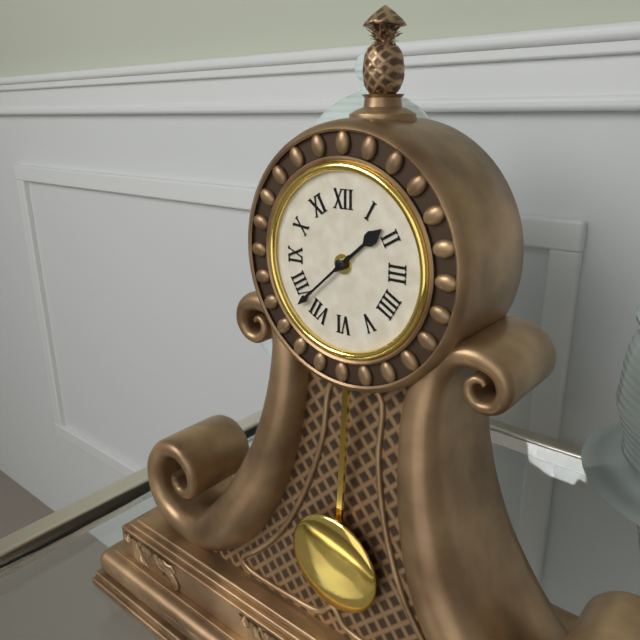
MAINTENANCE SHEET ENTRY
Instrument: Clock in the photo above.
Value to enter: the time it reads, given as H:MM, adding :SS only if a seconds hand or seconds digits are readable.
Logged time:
1:38
